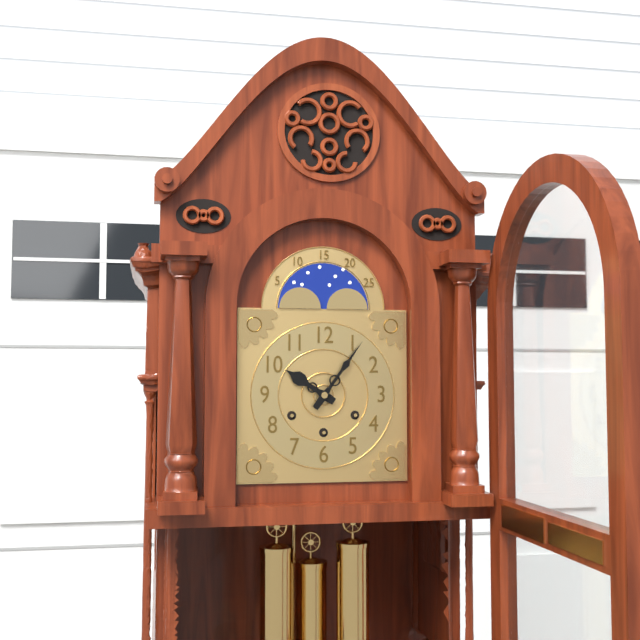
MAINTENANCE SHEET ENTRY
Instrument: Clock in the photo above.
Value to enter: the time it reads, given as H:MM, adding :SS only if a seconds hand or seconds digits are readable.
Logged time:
10:06
